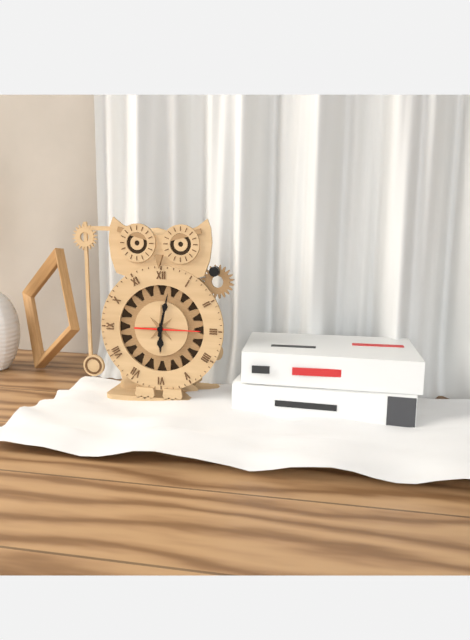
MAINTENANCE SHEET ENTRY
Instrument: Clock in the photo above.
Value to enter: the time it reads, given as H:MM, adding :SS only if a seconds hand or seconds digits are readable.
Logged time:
6:02
